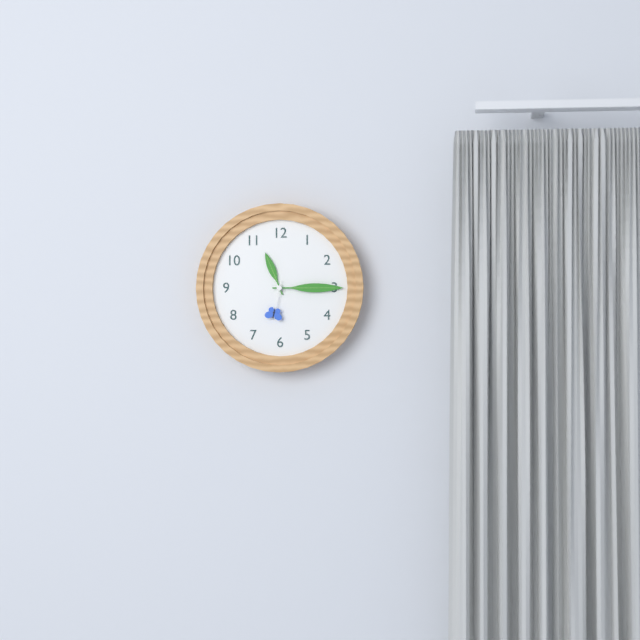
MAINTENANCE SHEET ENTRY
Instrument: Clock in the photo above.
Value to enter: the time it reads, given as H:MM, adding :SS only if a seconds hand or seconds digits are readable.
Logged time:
11:15
